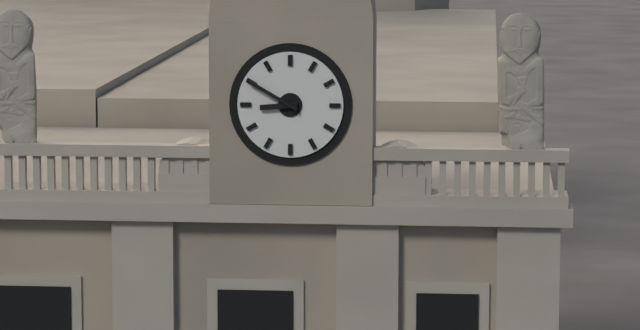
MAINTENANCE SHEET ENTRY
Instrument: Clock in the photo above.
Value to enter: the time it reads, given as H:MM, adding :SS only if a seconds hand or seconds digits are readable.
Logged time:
8:50
